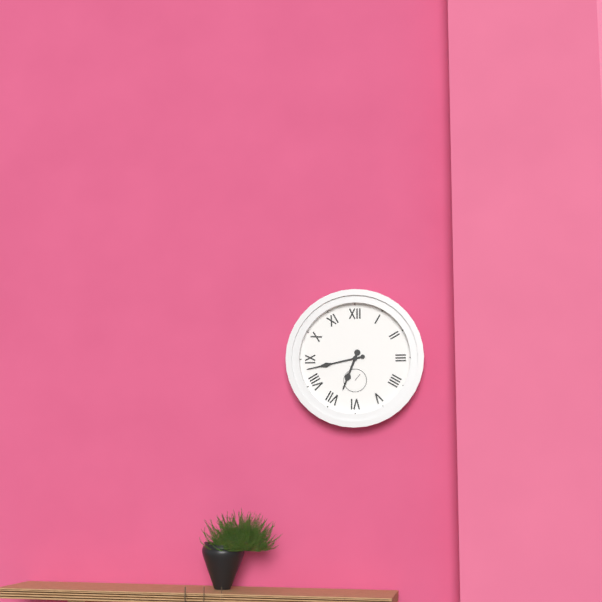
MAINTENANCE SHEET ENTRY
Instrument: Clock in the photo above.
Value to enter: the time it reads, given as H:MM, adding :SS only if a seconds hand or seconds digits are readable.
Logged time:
6:43
